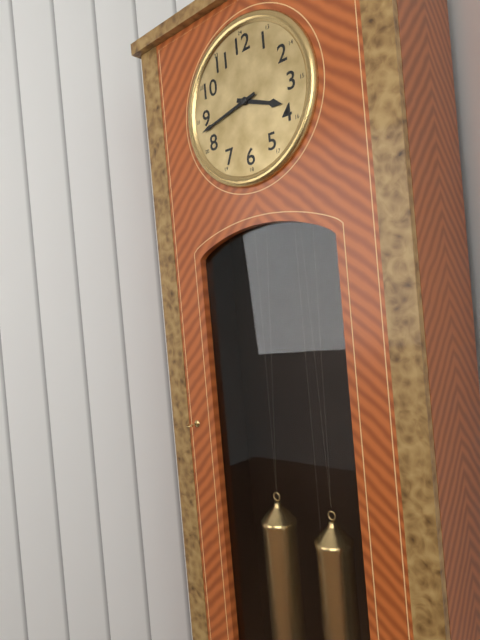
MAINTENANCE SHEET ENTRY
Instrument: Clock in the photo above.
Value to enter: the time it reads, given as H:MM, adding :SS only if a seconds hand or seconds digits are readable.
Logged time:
3:43
